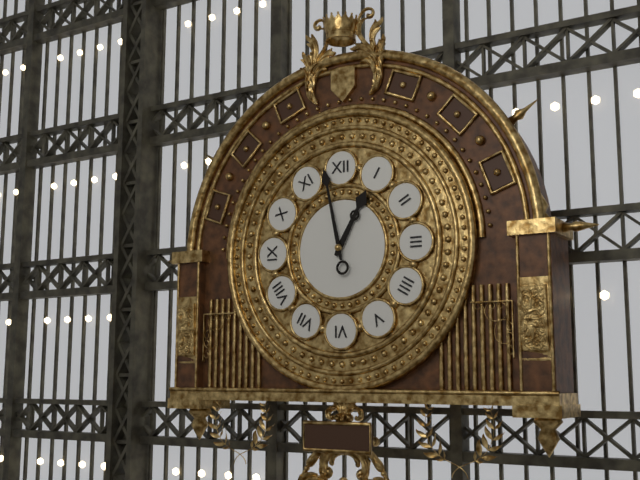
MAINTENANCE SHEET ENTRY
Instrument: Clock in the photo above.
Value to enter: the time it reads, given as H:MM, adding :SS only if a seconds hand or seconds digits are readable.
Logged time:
12:58
